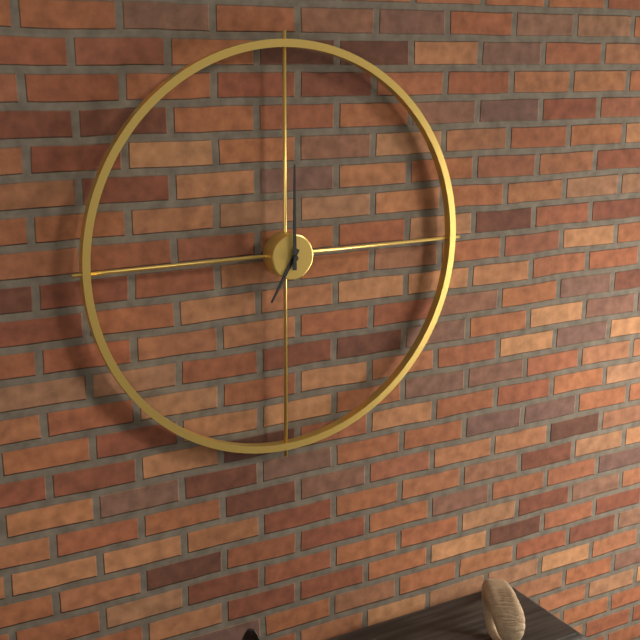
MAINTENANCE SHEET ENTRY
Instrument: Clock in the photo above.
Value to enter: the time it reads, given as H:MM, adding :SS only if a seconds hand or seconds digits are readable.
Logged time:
7:00
